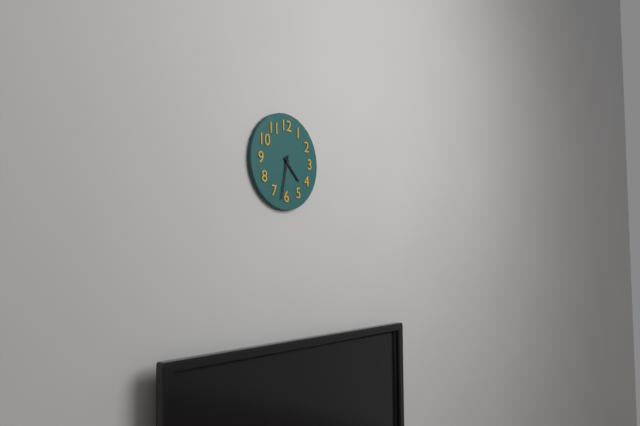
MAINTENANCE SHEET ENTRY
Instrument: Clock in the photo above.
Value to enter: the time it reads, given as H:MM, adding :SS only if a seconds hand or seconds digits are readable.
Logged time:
4:32
